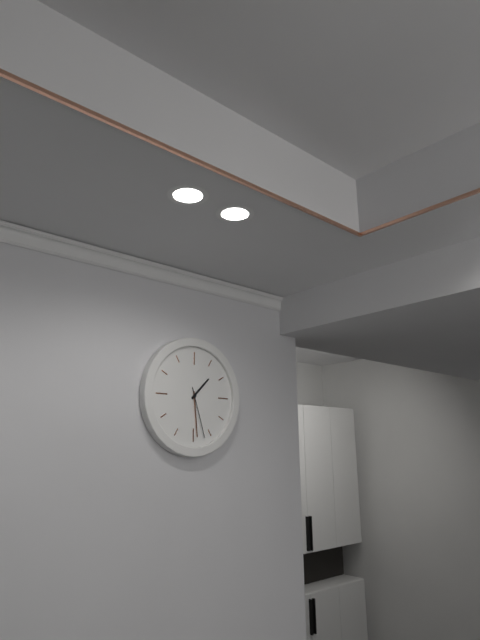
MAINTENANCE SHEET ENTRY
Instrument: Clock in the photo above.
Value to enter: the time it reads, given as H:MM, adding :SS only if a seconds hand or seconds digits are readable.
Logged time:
1:29:27
